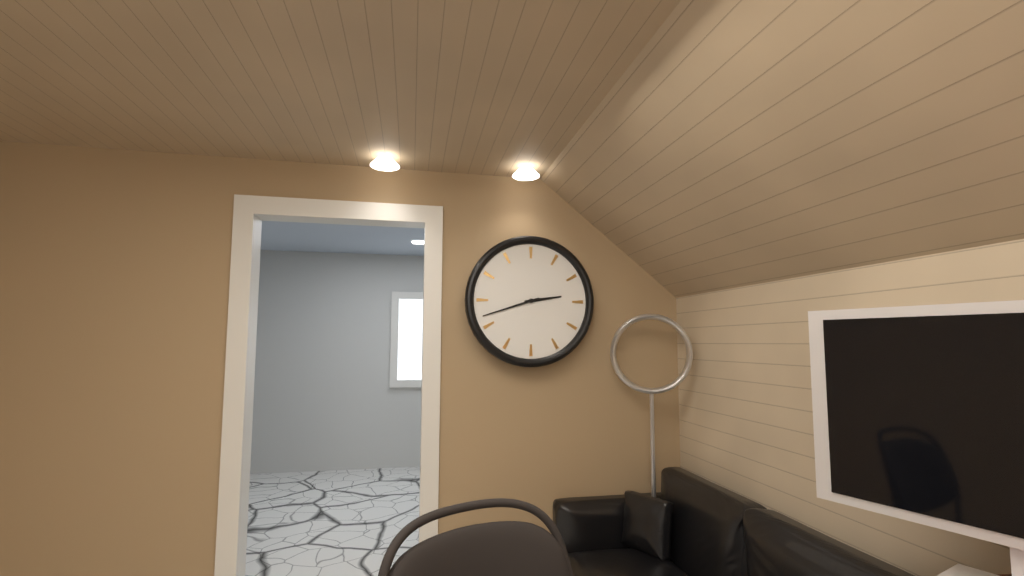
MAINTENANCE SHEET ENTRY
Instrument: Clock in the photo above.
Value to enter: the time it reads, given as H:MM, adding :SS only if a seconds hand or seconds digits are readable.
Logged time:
2:42
